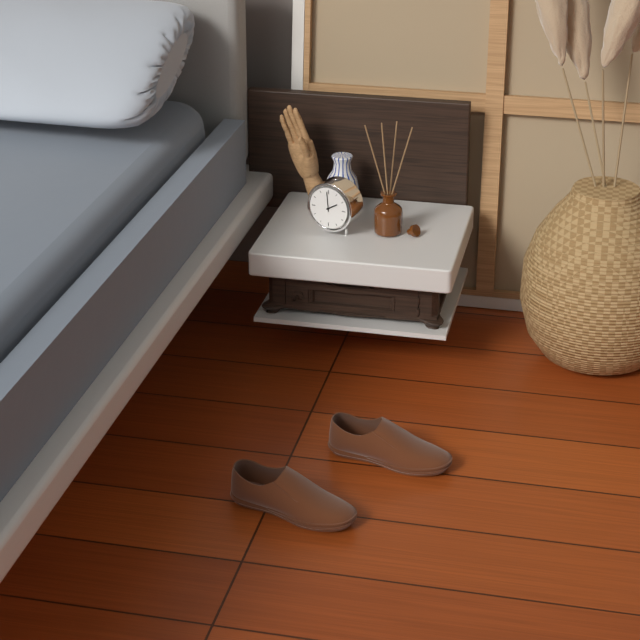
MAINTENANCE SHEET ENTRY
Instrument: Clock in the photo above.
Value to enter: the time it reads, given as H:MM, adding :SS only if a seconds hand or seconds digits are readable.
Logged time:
1:59
